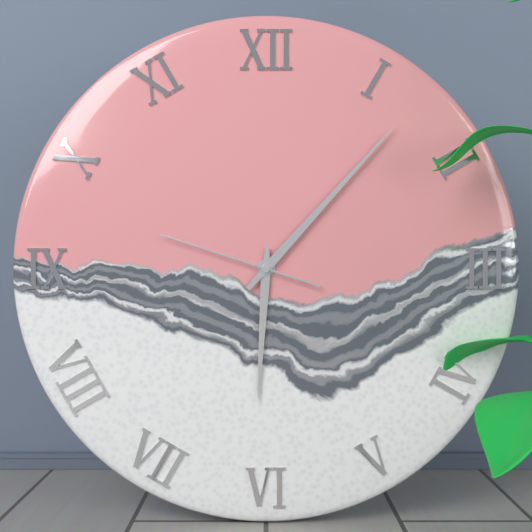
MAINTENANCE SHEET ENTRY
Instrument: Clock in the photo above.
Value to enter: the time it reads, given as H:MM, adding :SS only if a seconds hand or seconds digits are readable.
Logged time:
6:07:48
